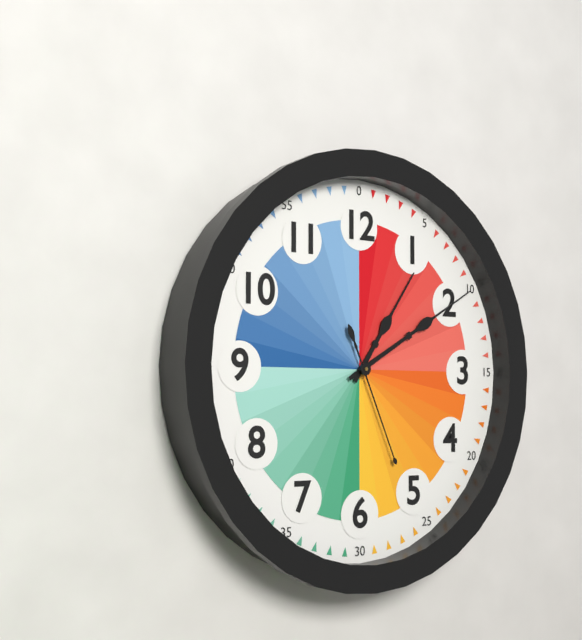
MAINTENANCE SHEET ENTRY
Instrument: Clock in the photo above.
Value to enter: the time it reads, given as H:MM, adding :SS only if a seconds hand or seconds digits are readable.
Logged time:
1:10:26
